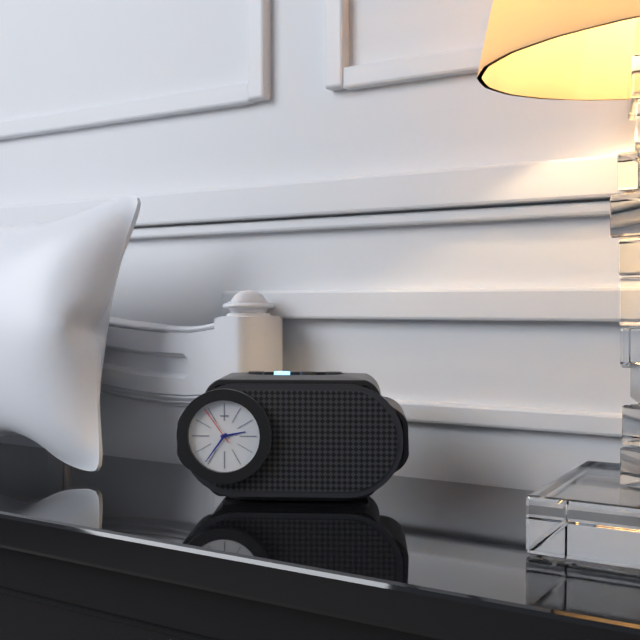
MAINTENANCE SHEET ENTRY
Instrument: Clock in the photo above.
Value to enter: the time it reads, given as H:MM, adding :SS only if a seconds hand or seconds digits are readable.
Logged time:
2:36
